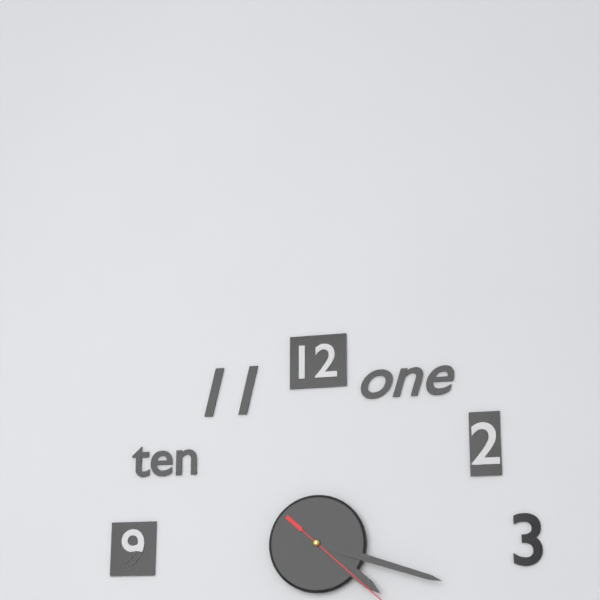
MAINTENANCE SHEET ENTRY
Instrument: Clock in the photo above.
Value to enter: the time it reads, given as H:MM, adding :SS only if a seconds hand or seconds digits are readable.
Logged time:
4:18
